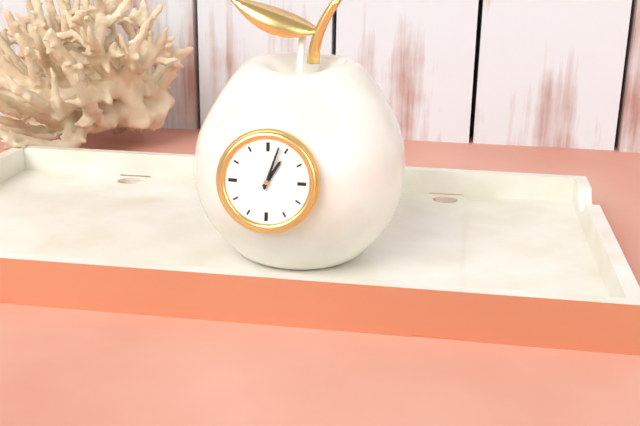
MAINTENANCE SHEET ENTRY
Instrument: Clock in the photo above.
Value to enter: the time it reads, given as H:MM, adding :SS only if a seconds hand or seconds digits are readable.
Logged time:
1:03
